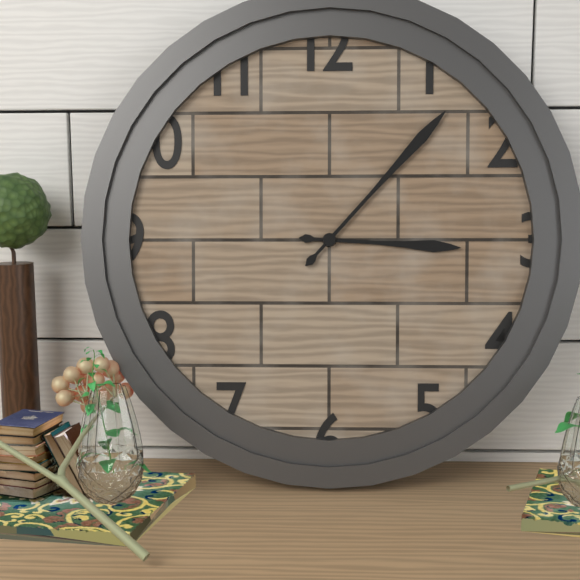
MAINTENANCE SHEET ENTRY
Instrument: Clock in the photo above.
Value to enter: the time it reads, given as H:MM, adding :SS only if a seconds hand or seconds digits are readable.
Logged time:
3:07
